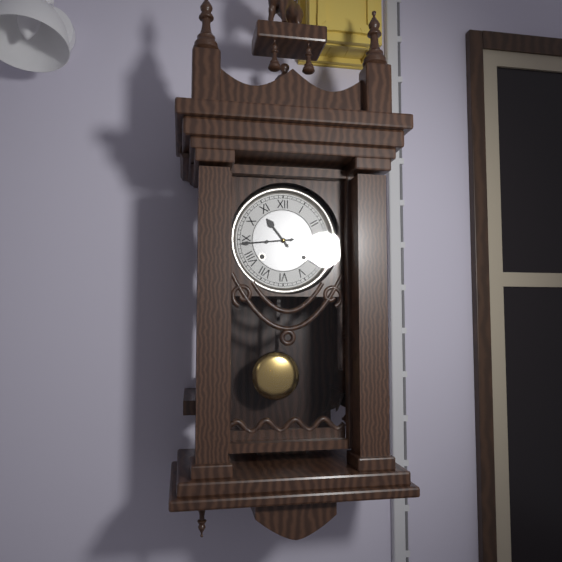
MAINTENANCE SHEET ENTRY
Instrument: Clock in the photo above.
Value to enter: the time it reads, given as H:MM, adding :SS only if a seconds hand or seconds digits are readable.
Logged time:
10:44
